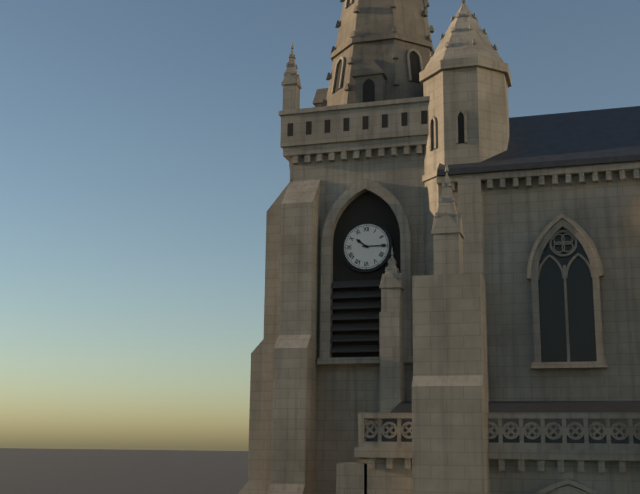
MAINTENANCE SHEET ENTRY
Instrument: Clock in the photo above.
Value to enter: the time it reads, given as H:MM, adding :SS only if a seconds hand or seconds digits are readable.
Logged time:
10:15
